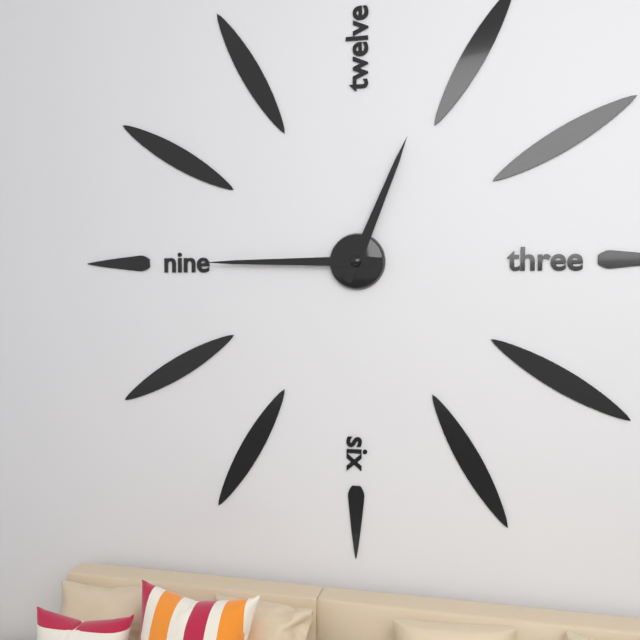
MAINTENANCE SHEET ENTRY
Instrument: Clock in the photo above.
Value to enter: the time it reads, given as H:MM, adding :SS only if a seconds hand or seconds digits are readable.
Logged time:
12:45
